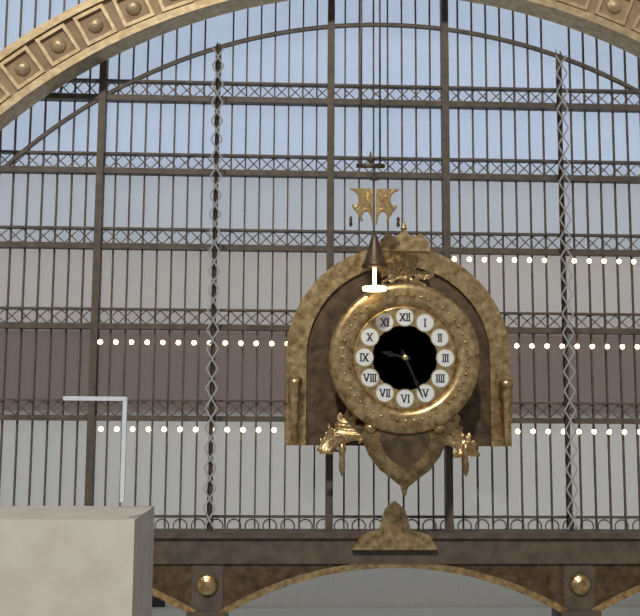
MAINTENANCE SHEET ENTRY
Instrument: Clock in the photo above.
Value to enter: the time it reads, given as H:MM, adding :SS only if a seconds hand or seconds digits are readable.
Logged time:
9:26
